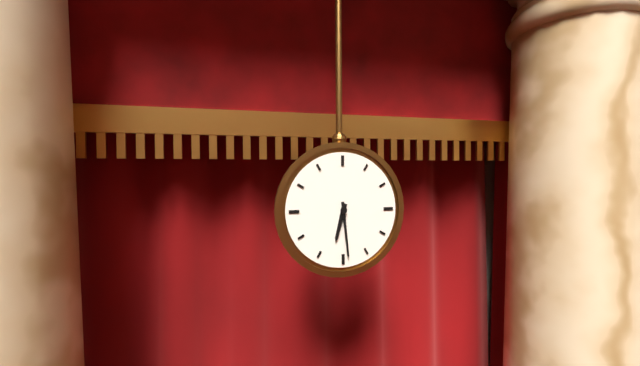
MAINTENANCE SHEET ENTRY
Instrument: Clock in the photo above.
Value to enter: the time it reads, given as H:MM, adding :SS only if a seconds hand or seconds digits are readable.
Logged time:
6:29
